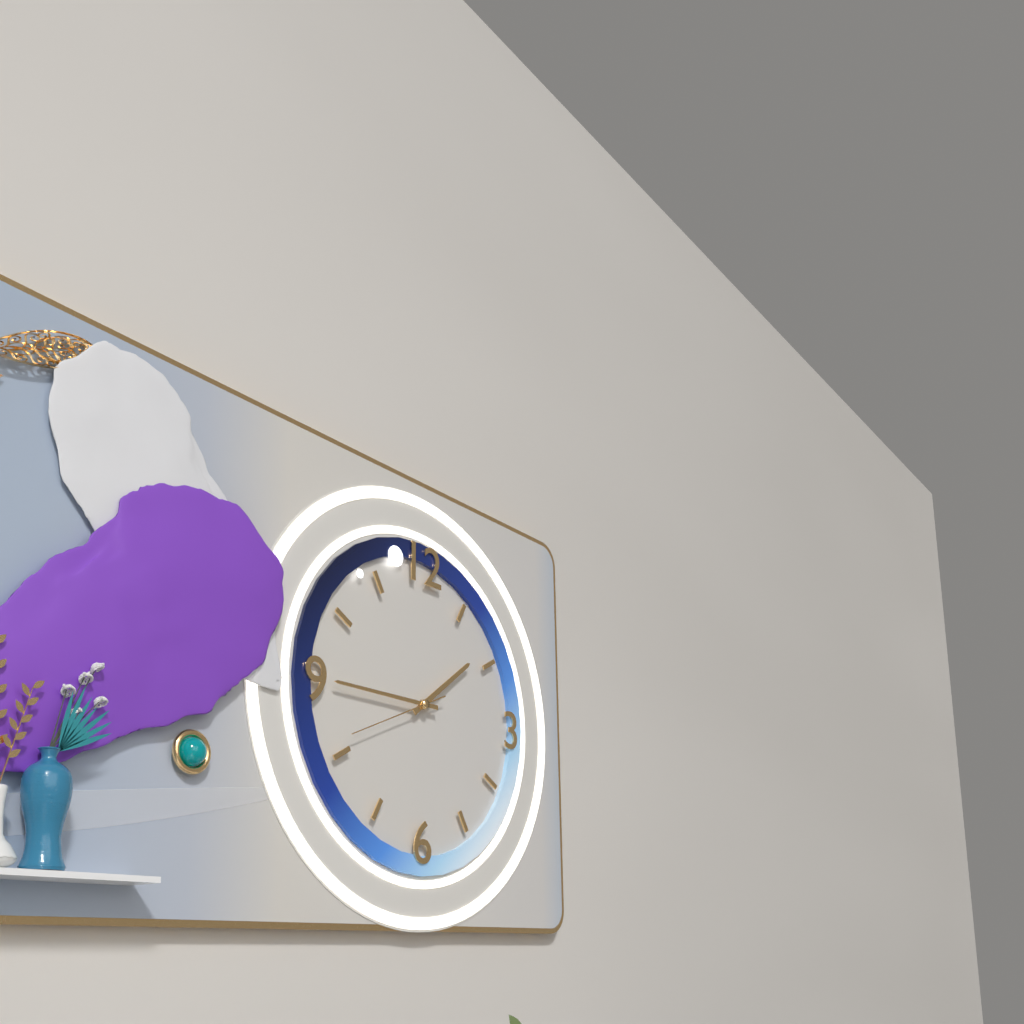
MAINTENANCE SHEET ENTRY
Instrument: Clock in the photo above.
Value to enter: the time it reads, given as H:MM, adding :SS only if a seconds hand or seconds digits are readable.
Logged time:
1:45:41
